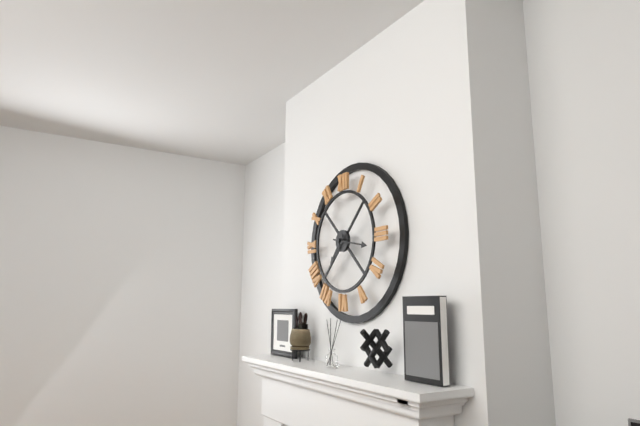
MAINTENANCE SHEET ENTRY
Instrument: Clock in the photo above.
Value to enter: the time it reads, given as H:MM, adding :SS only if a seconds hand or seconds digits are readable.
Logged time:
7:17
